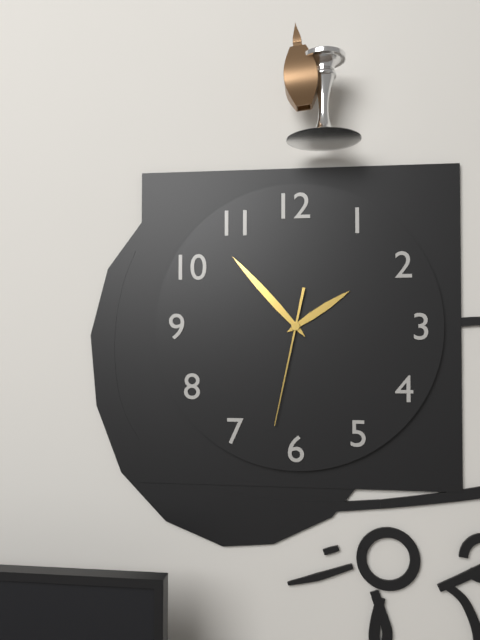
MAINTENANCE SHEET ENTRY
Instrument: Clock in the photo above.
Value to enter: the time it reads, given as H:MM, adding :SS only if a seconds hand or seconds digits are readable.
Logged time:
1:53:32
